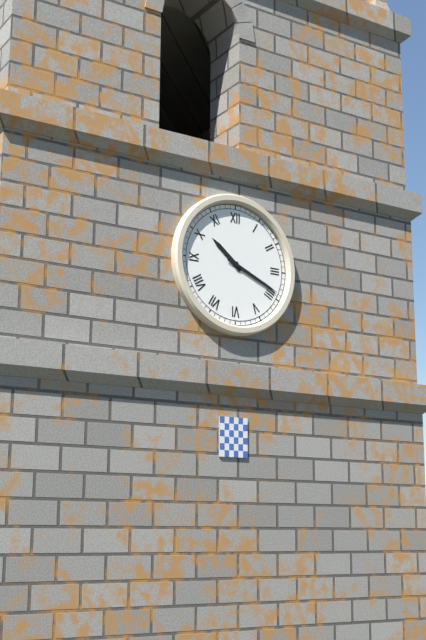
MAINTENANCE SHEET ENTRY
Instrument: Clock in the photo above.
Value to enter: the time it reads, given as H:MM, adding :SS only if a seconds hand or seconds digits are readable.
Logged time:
10:19
